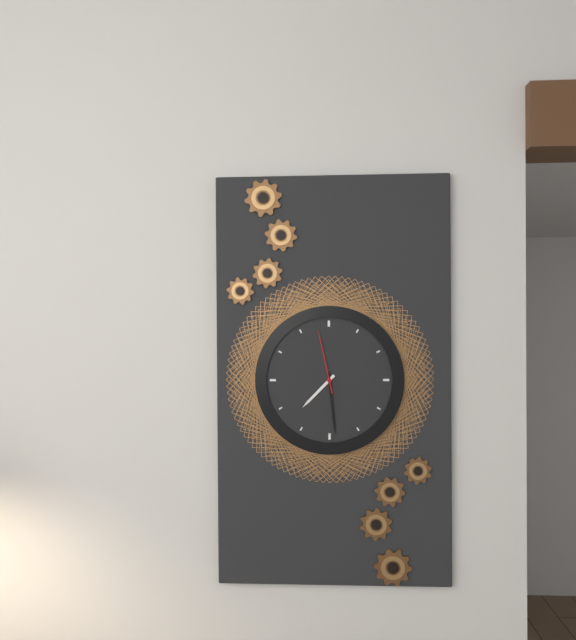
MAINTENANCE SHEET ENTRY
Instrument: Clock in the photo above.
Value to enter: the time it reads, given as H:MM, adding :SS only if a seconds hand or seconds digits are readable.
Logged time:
7:29:58
